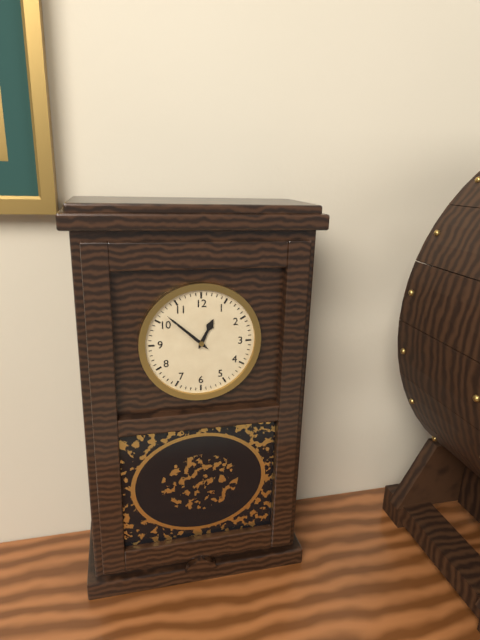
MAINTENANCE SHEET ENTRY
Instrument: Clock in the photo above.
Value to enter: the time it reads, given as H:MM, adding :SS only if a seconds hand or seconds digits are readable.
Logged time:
12:52
